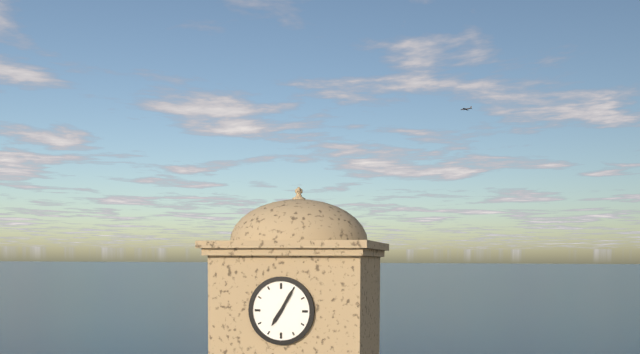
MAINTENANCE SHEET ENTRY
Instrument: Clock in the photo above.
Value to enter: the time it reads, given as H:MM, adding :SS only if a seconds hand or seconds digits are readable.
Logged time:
7:05
